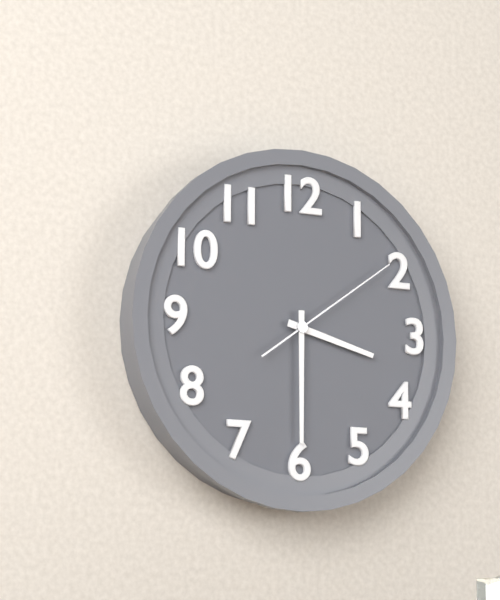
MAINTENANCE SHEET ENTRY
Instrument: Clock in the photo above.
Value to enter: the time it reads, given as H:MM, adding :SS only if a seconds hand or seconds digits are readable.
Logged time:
3:30:09
